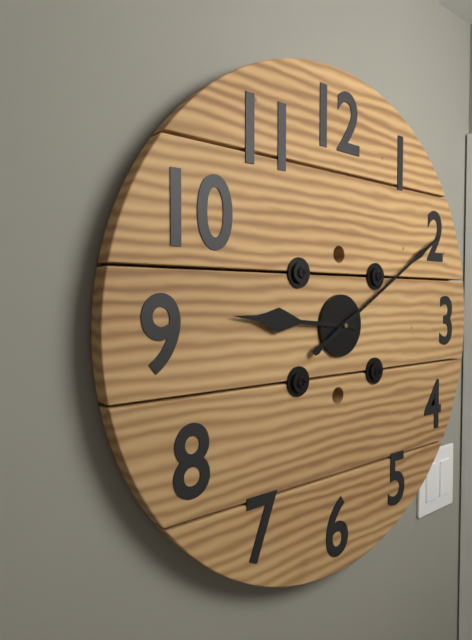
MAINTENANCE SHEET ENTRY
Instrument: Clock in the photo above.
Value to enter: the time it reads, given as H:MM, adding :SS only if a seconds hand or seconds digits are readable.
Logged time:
9:10
